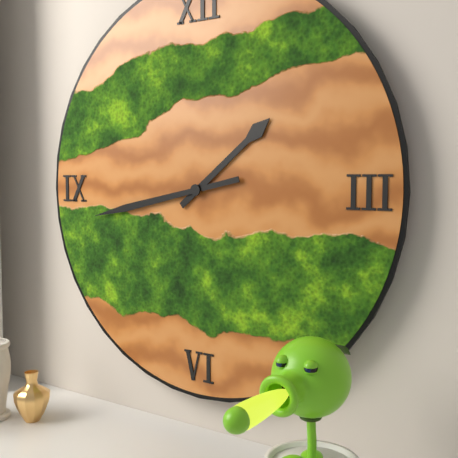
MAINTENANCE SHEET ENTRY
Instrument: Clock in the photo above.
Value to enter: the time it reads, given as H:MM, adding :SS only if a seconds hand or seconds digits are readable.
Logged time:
1:43
